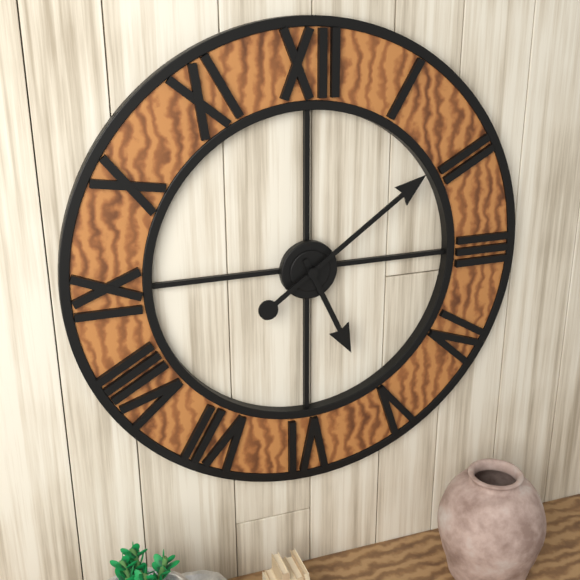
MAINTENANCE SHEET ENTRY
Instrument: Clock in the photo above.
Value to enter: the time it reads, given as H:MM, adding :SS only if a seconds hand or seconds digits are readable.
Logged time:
5:09
